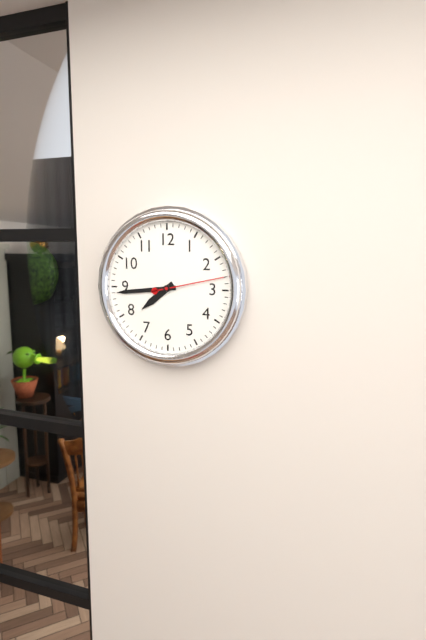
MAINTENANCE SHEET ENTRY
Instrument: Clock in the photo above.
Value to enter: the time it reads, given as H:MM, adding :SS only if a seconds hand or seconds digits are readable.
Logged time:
7:44:13
